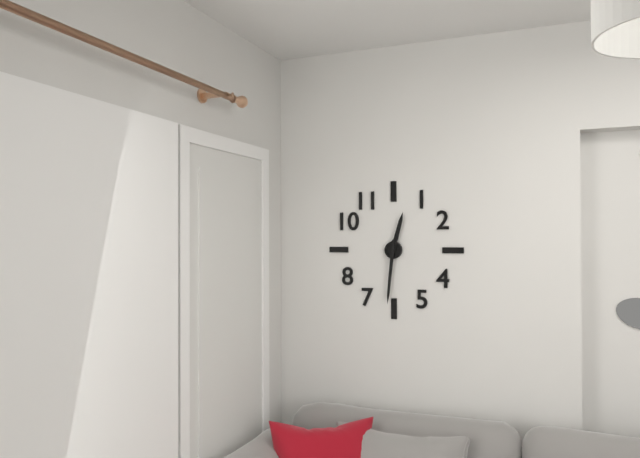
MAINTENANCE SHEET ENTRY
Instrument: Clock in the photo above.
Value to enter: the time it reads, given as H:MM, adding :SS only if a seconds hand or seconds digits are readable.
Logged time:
12:31
